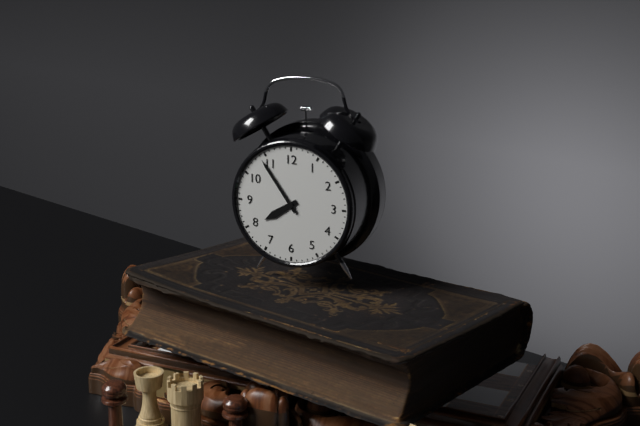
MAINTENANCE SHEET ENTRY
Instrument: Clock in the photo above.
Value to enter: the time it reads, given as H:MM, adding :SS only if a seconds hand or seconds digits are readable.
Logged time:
7:54
